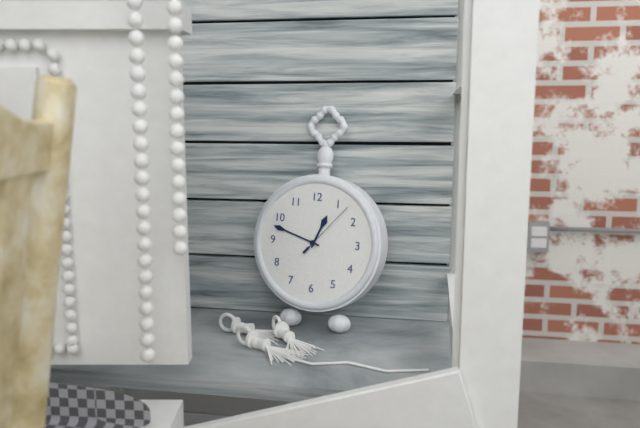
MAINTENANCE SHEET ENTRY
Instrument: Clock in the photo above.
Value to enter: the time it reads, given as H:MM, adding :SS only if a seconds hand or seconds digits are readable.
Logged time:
12:48:07
